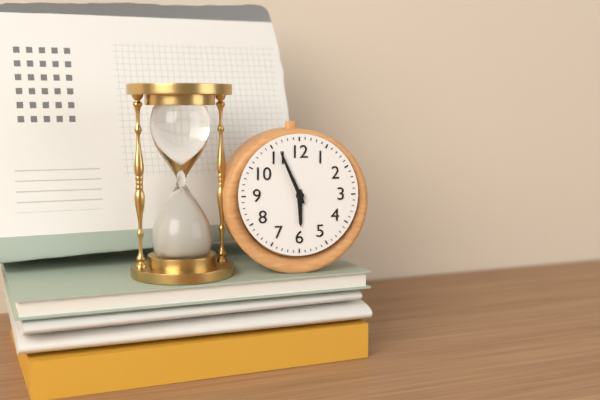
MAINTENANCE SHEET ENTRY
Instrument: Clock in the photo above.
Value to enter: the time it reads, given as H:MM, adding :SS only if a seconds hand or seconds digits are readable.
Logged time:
5:56
